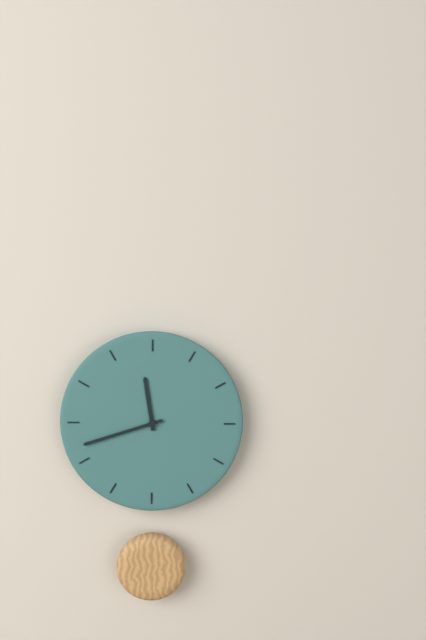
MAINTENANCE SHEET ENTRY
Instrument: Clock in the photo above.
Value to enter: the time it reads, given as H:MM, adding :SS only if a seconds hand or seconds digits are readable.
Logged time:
11:42
